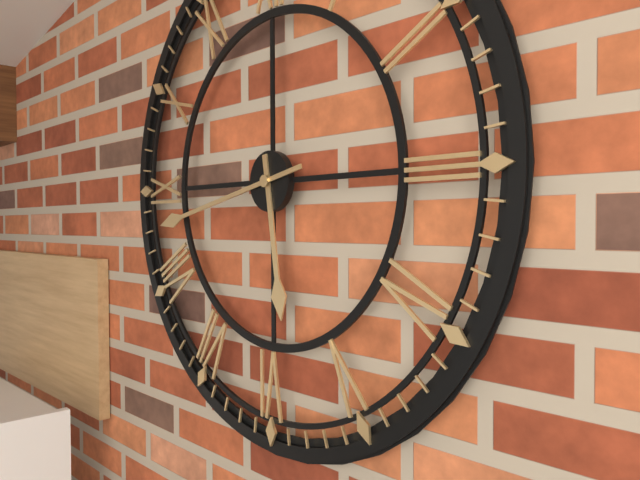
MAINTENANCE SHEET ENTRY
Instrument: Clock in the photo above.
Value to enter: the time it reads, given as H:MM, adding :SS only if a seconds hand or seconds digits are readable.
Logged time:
5:43
